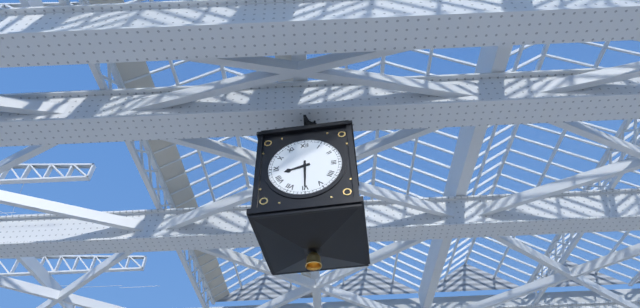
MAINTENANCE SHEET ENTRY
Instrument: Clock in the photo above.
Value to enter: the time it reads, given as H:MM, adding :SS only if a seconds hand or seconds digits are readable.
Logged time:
8:30
